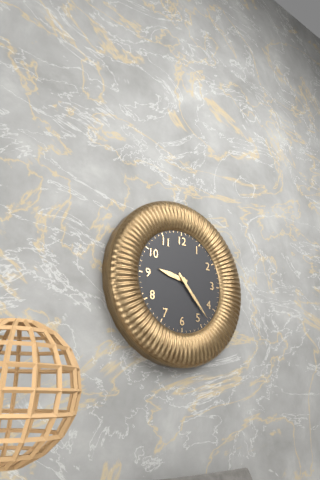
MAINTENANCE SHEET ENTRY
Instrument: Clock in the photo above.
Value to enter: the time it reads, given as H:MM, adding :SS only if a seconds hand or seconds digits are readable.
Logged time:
9:23
